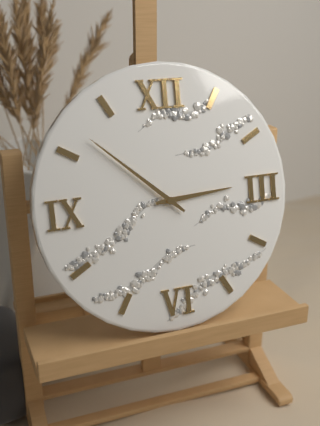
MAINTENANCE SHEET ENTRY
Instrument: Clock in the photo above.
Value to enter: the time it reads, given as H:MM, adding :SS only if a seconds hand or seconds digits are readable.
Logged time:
2:52
